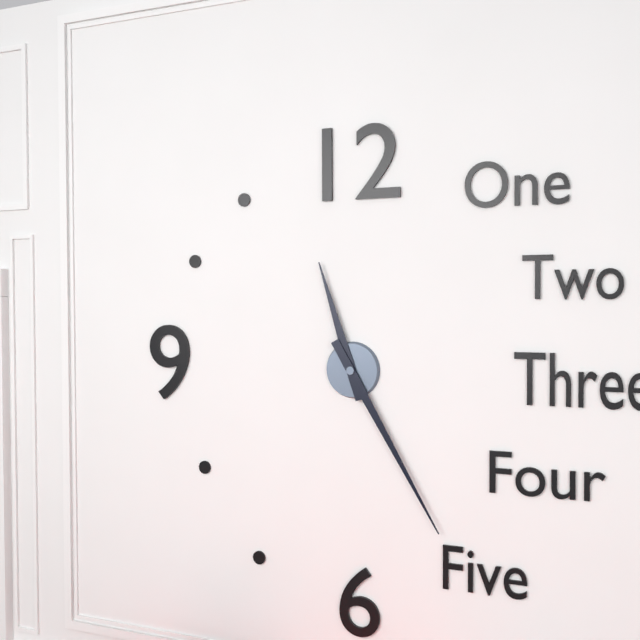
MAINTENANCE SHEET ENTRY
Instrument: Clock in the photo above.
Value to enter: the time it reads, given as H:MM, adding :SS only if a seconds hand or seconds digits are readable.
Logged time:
11:25
